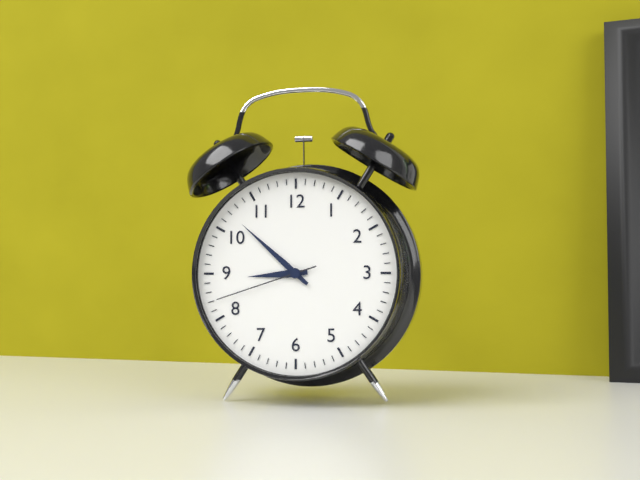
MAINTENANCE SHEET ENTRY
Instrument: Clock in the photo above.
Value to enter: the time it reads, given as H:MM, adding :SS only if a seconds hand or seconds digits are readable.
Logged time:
8:52:42
